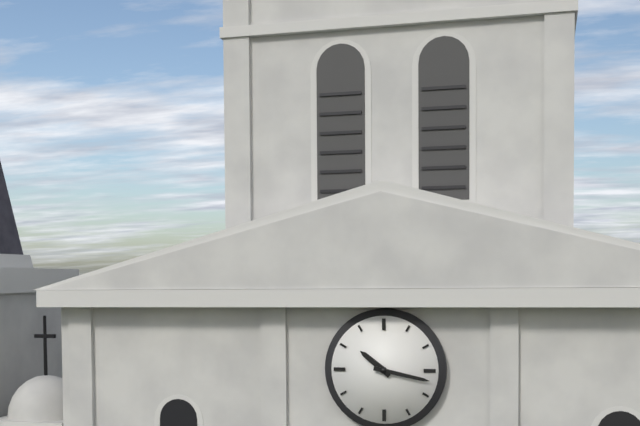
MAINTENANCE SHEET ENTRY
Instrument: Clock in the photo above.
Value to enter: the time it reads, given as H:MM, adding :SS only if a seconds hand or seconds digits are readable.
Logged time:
10:17
